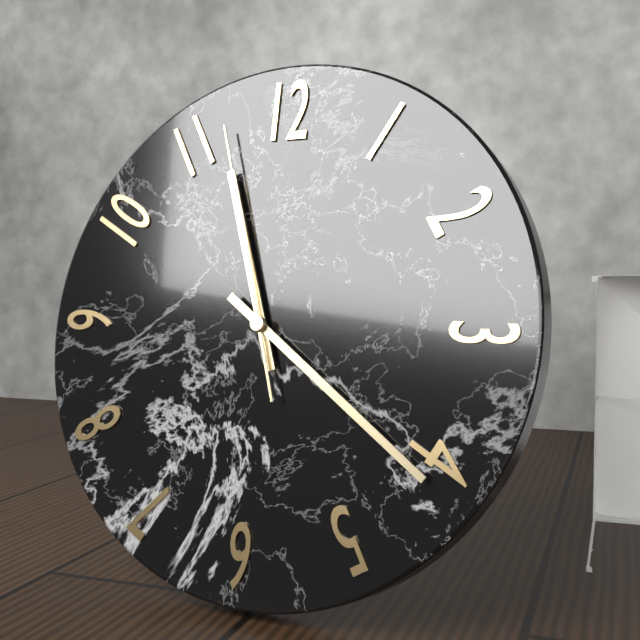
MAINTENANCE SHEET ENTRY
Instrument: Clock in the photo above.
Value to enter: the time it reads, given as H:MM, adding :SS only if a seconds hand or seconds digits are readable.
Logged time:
11:21:57
